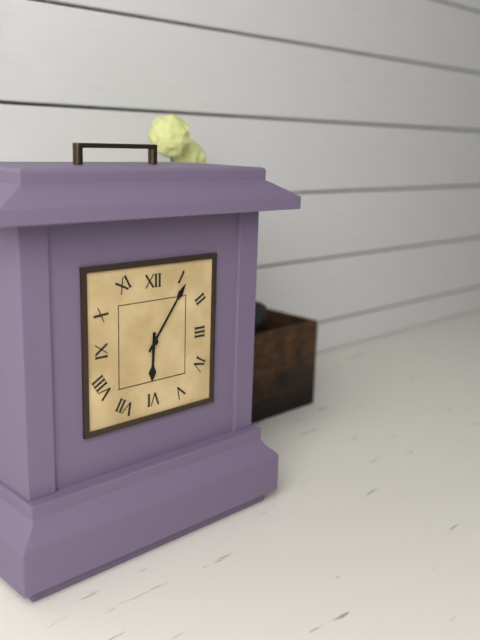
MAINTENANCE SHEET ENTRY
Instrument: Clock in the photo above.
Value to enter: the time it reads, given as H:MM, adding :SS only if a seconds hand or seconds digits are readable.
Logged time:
6:06
